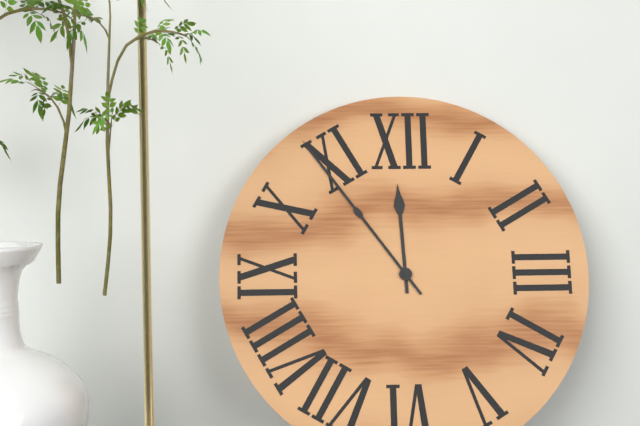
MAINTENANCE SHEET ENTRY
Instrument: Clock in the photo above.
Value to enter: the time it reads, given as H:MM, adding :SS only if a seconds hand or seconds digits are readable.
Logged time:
11:54
